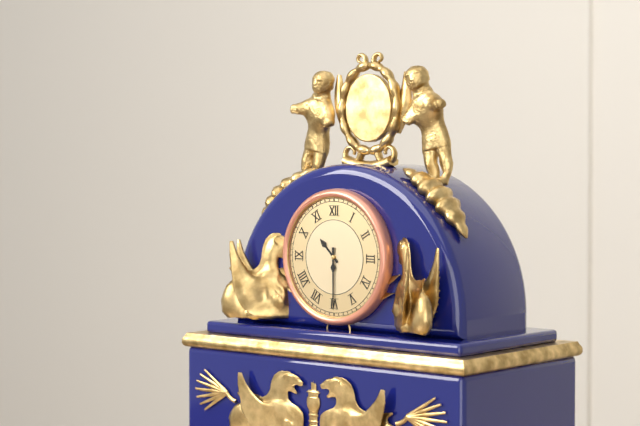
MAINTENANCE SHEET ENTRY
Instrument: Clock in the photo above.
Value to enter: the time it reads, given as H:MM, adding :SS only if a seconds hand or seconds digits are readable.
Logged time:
10:30
